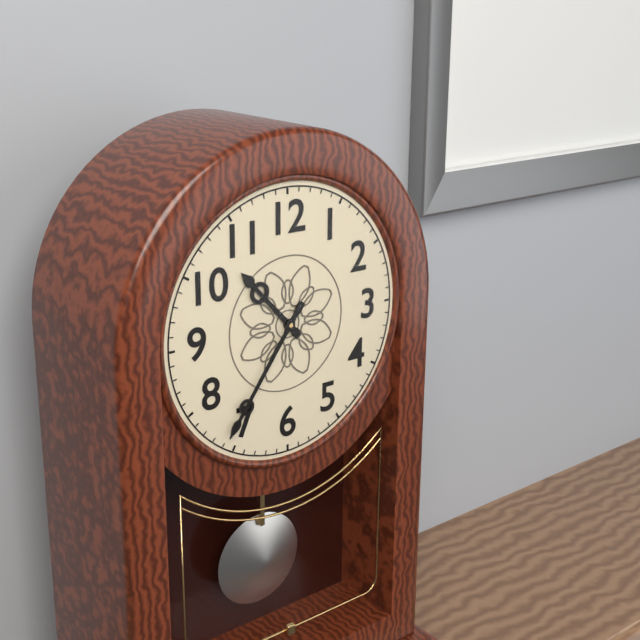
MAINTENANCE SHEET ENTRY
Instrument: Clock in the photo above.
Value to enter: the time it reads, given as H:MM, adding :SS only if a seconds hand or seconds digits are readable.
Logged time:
10:36
